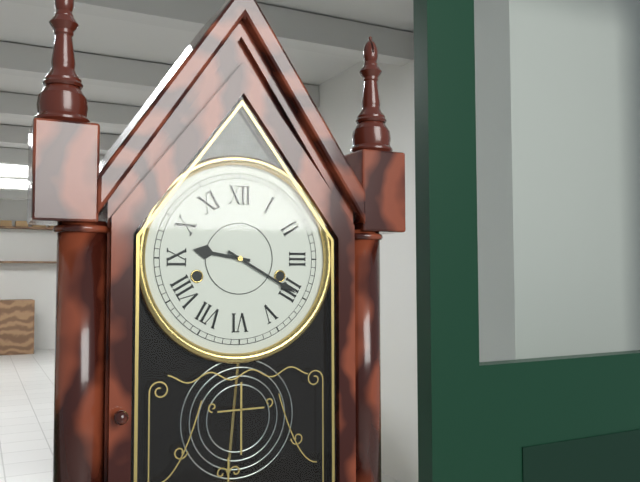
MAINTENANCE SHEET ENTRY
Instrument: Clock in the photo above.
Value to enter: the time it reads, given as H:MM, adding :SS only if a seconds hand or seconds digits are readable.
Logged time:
9:20
